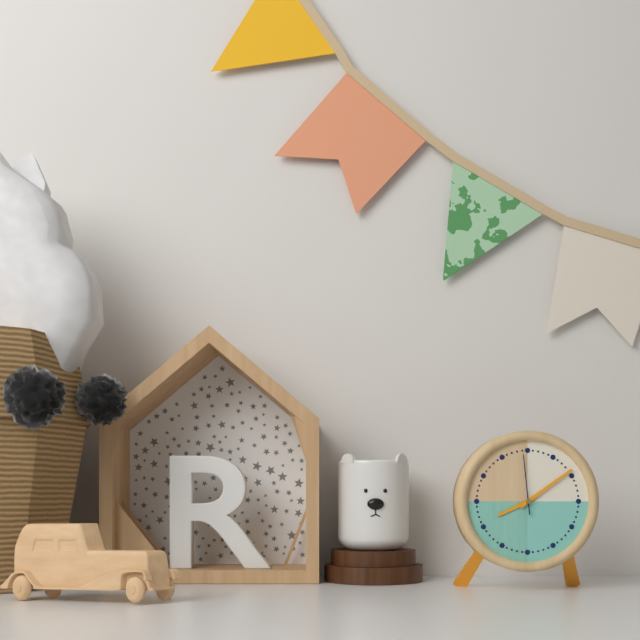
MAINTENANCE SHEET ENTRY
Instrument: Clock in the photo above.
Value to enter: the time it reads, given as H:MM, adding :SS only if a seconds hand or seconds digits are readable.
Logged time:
8:09:59
